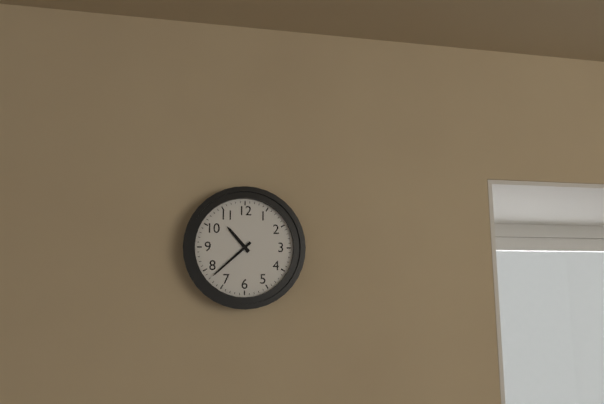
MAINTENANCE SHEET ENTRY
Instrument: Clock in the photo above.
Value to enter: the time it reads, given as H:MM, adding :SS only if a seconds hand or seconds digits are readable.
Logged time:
10:38
